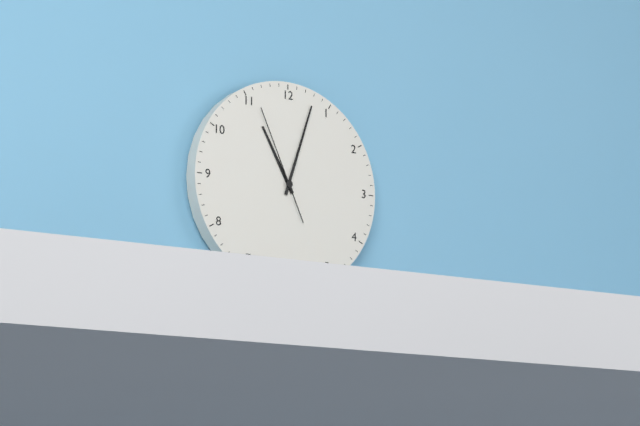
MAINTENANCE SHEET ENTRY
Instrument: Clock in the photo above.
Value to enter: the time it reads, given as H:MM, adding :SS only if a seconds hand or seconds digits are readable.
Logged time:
11:03:56
